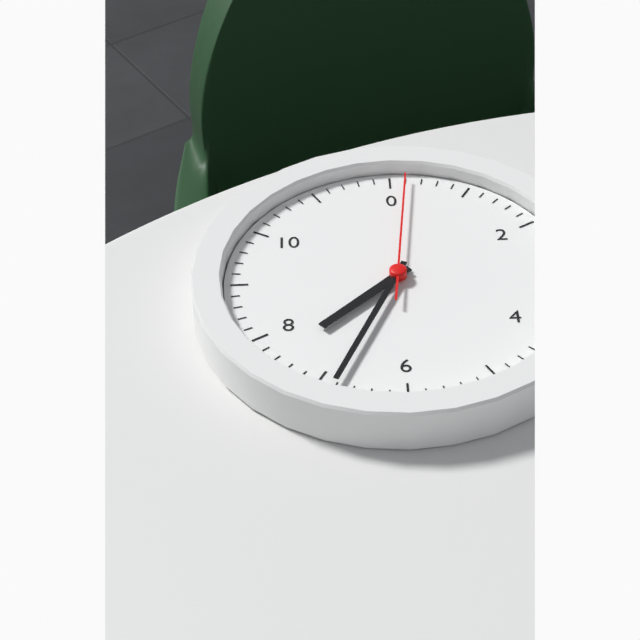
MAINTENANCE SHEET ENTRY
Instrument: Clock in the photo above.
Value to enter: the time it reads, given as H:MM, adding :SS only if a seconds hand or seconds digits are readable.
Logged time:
7:34:01
